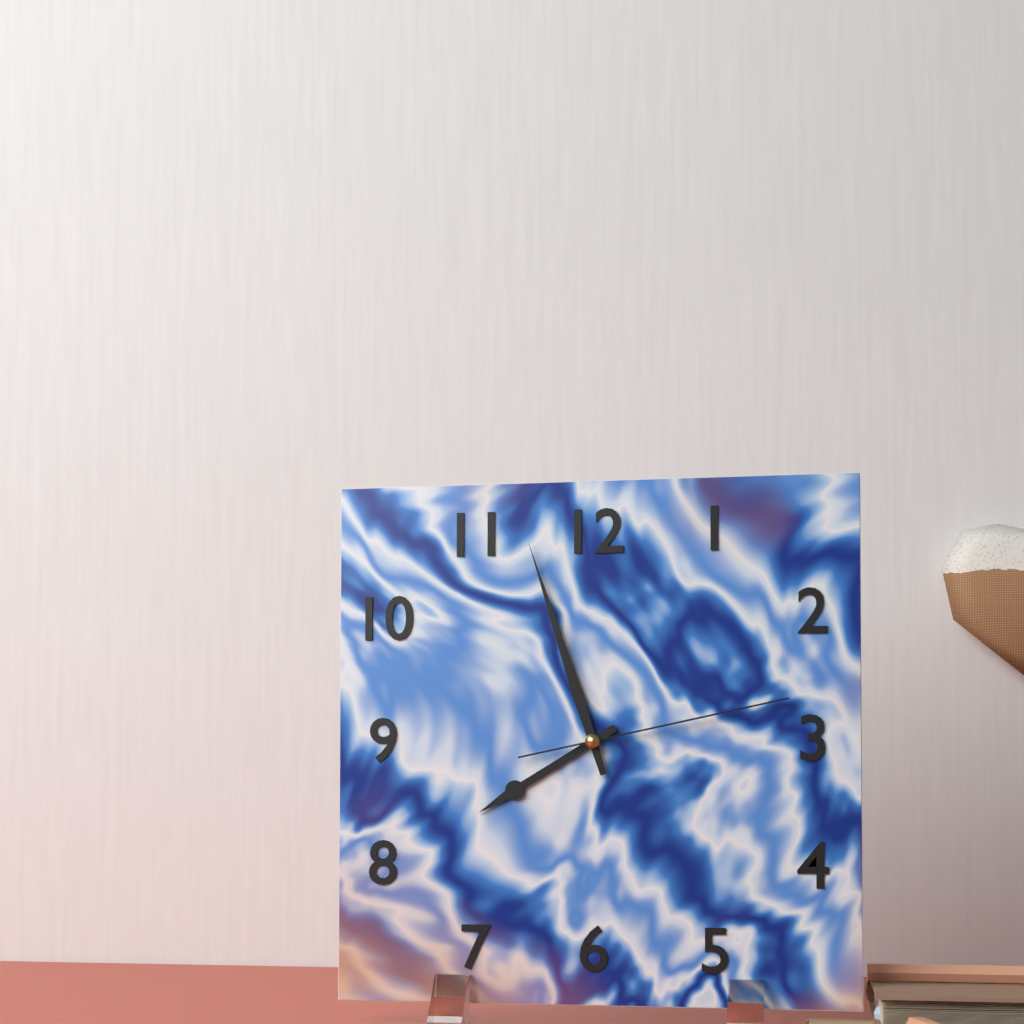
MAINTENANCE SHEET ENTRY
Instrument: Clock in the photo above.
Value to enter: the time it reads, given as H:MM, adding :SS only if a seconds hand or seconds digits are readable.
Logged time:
7:57:13
